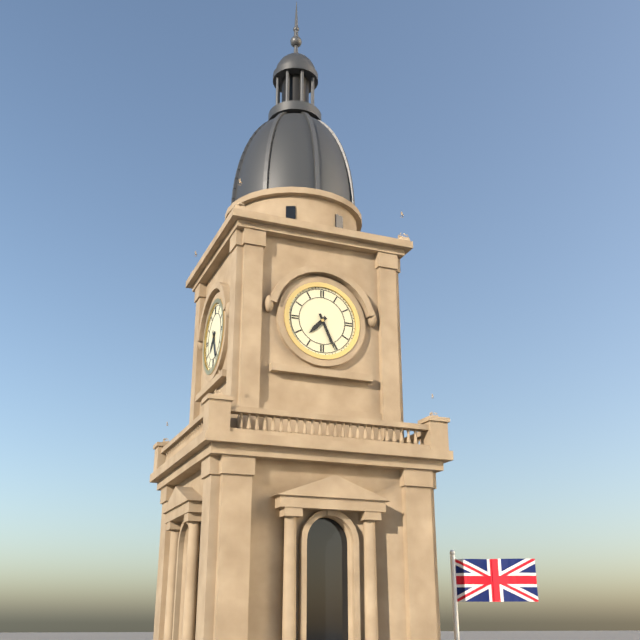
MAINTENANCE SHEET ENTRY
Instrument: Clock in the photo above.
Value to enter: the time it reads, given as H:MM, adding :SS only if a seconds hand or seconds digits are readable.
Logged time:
7:26
